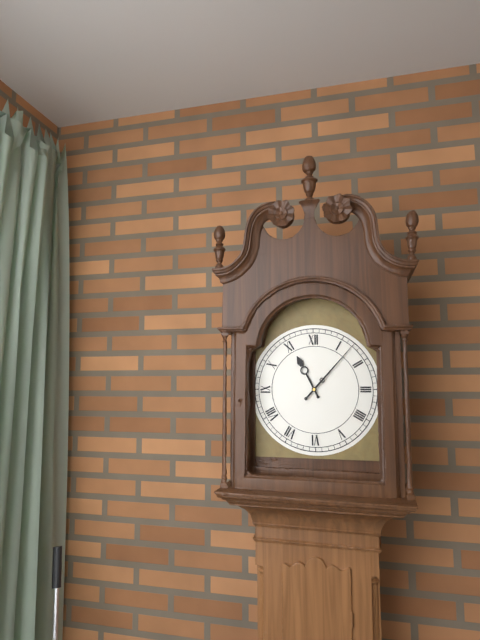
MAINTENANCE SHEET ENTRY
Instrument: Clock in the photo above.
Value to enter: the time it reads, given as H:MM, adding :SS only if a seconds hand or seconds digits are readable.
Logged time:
11:07
